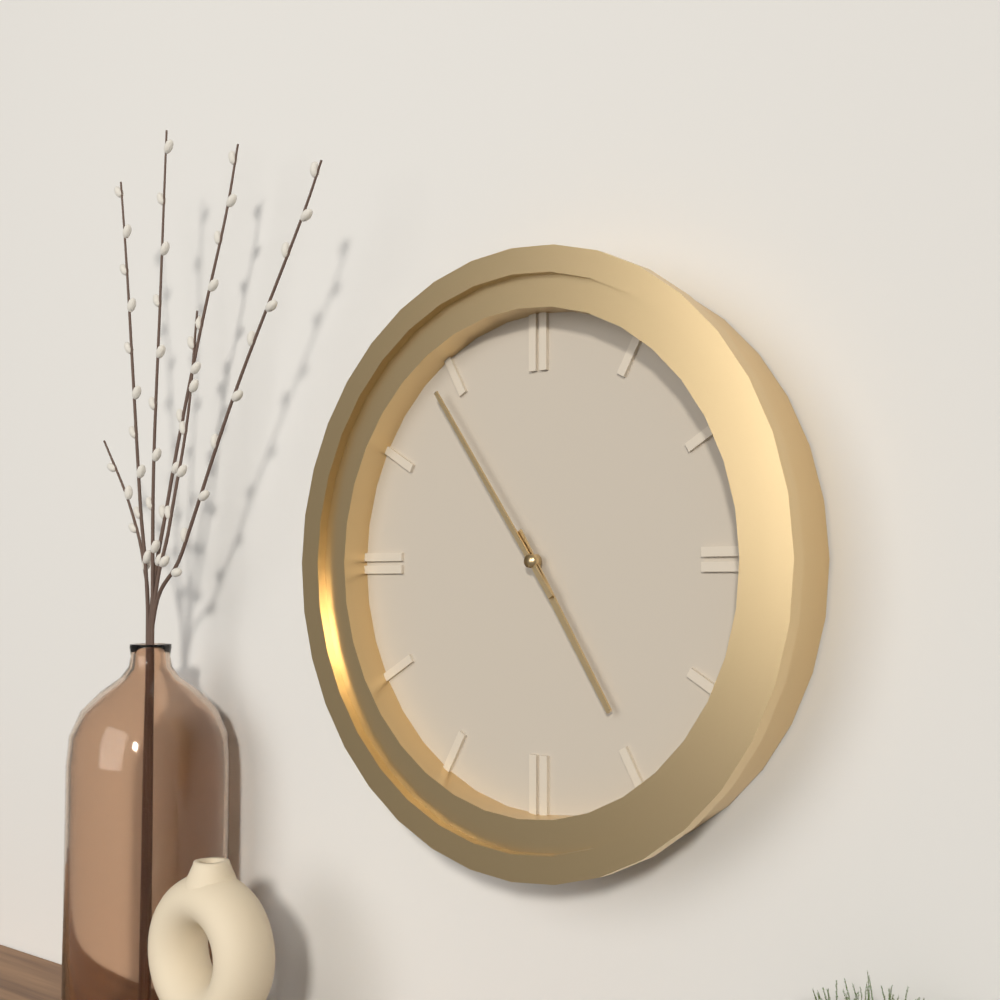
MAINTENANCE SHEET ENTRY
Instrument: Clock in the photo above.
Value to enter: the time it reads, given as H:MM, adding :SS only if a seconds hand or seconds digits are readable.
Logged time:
4:54
